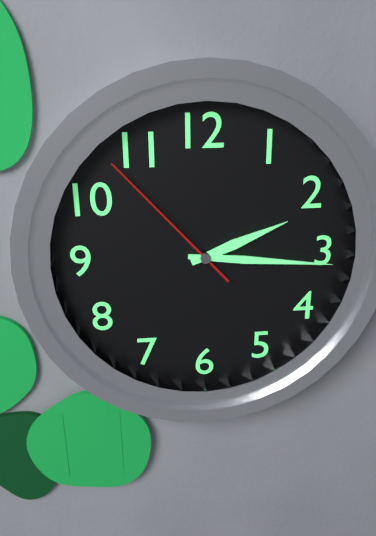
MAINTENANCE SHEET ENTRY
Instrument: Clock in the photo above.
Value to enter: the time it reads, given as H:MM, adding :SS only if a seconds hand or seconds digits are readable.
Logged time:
2:16:53
